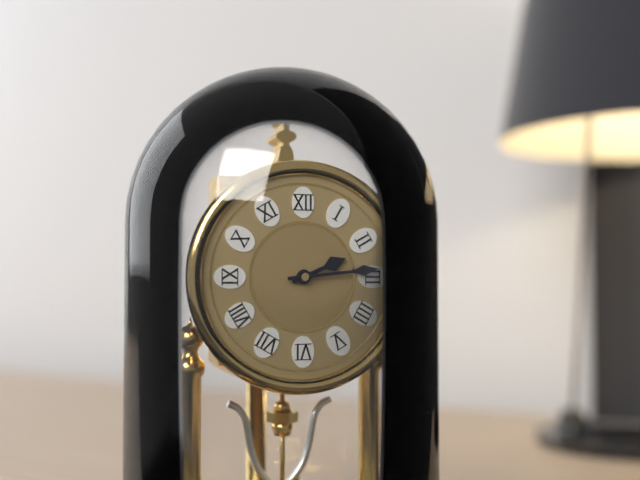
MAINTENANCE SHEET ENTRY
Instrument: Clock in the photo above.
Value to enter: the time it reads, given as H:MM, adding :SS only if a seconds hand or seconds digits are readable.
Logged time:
2:14
